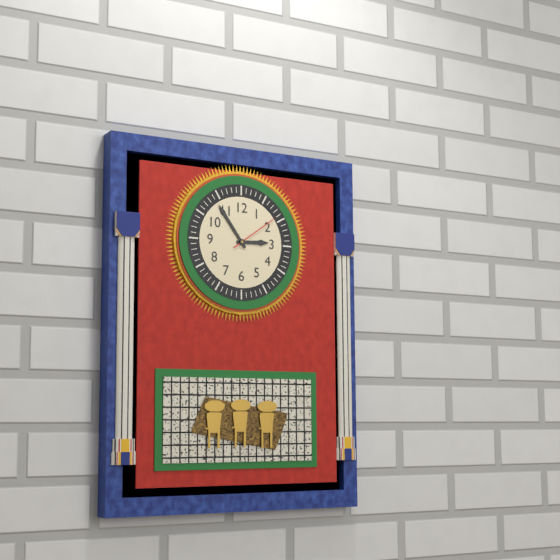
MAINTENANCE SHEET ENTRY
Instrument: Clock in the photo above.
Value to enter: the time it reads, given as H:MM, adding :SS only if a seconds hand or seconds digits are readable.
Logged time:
2:54:09
